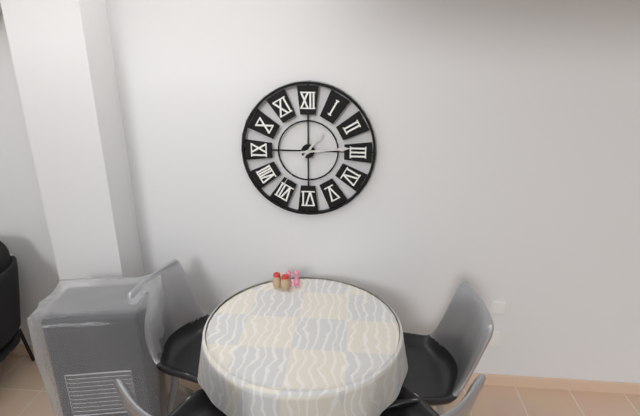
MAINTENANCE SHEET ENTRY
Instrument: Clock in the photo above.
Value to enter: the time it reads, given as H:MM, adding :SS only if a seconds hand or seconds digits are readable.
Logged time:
1:14:36
